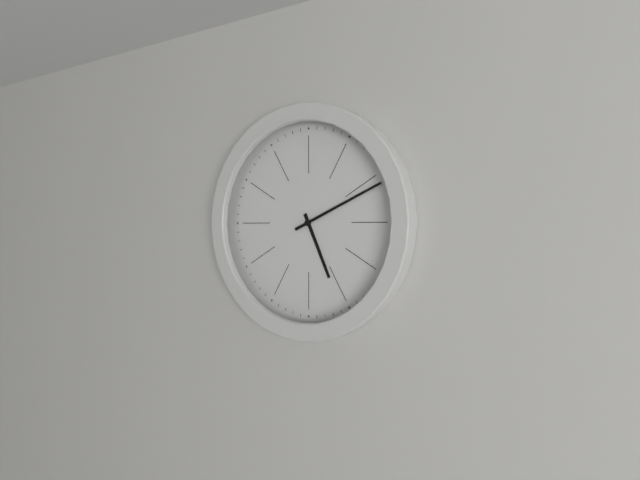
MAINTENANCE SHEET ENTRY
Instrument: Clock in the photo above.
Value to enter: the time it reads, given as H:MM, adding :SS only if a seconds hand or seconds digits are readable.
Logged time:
5:11
